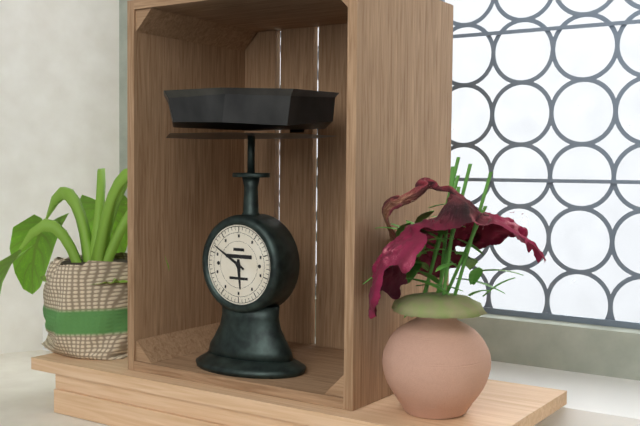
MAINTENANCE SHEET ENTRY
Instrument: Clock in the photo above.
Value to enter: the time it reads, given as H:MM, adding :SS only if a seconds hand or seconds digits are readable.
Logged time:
5:50
